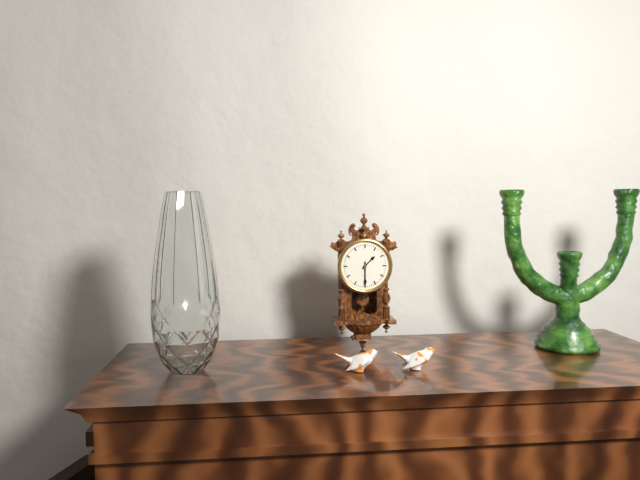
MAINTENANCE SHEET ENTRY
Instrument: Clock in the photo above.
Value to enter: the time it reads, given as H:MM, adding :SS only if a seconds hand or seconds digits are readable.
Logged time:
1:30
